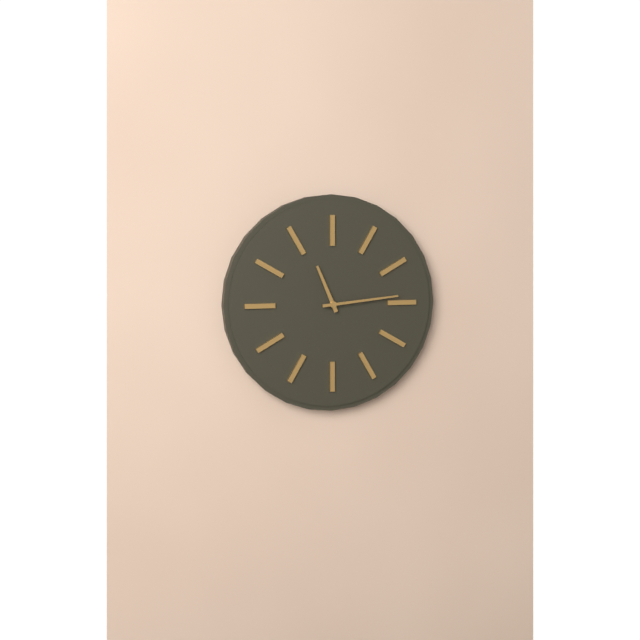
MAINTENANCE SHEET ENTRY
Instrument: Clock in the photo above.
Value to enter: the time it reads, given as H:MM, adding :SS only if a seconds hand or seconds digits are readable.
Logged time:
11:14
